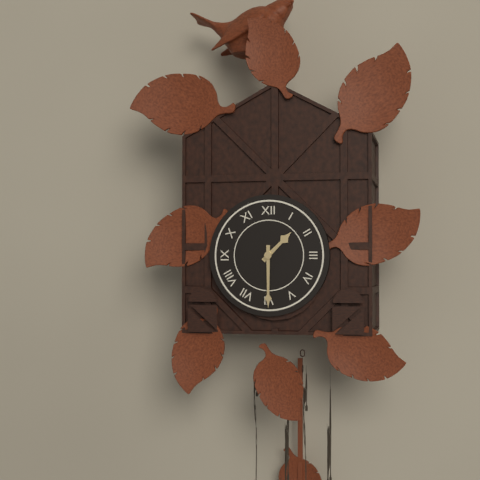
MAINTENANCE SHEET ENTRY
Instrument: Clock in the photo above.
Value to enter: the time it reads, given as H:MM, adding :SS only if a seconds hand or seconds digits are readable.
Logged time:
1:30
